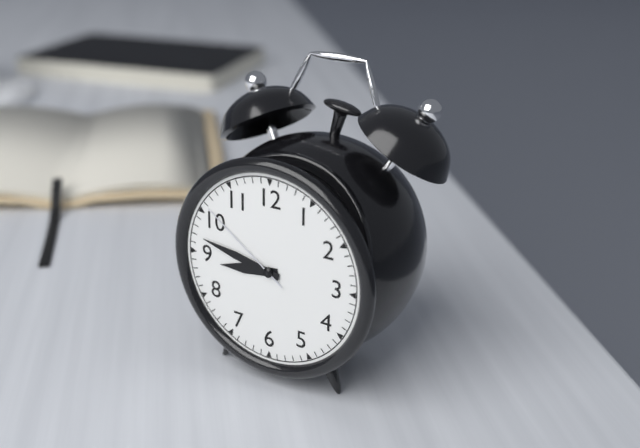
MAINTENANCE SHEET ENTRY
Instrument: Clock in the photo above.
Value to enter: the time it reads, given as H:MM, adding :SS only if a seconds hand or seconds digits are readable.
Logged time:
8:47:51
